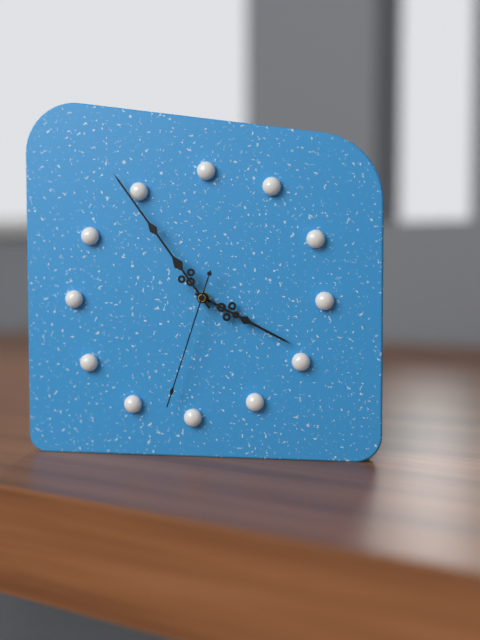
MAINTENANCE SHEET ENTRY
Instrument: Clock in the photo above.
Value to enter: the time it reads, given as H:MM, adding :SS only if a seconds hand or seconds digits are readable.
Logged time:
3:54:33
